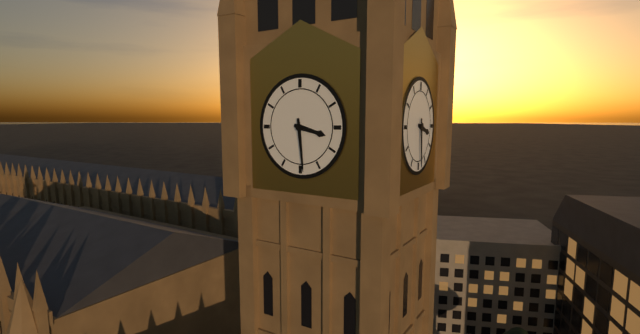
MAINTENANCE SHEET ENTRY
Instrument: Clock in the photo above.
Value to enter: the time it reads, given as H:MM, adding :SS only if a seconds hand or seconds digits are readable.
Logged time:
3:29
